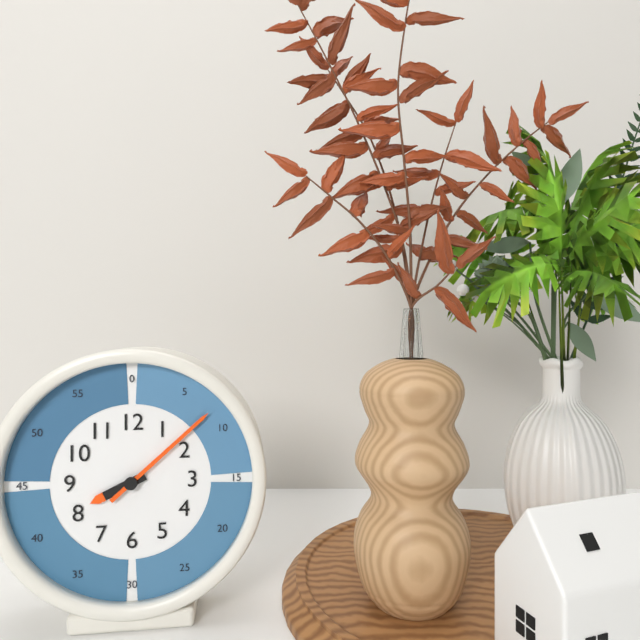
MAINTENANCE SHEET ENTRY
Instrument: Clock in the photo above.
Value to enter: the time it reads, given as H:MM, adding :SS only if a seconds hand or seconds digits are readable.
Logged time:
8:08
